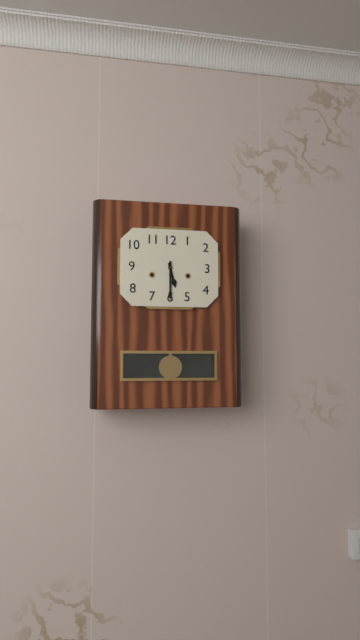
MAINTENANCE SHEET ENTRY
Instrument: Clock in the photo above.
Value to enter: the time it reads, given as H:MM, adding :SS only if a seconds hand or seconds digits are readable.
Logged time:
5:30
